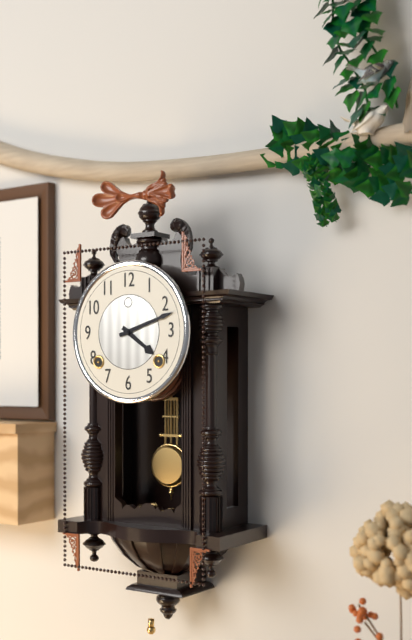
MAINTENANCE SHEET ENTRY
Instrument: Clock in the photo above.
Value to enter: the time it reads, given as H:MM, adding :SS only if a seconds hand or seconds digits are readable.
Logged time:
4:12
